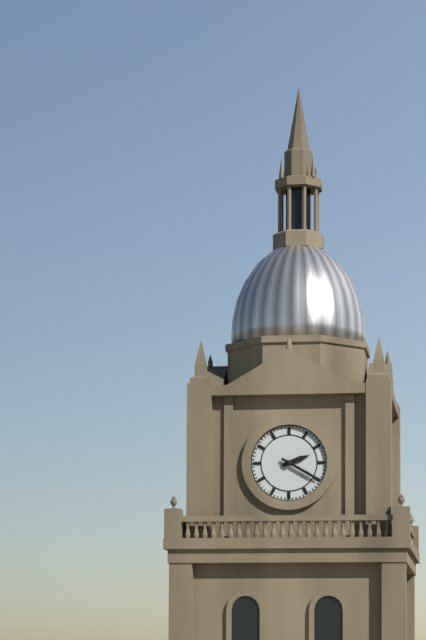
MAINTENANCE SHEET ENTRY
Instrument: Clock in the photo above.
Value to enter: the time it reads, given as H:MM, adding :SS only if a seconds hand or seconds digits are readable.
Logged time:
2:20
